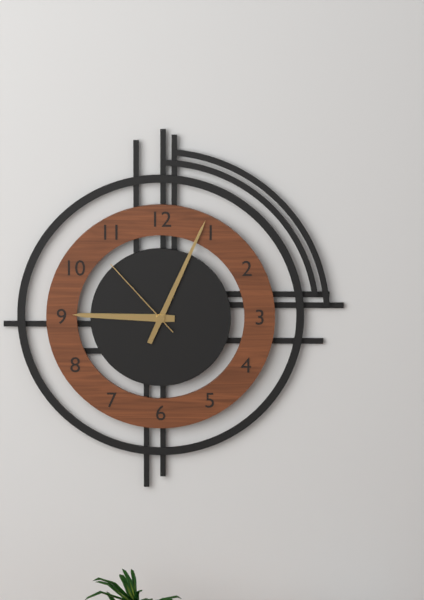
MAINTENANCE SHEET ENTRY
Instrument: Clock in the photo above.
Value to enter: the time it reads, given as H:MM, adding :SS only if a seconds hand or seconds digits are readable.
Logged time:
9:04:53
